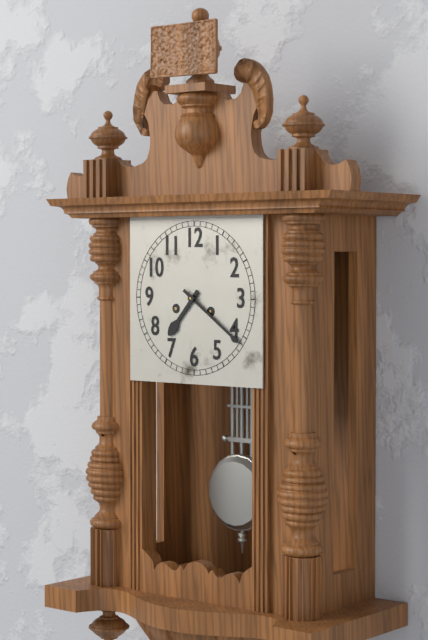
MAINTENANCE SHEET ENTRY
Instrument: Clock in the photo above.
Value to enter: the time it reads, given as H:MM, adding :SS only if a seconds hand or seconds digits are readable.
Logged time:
7:21
